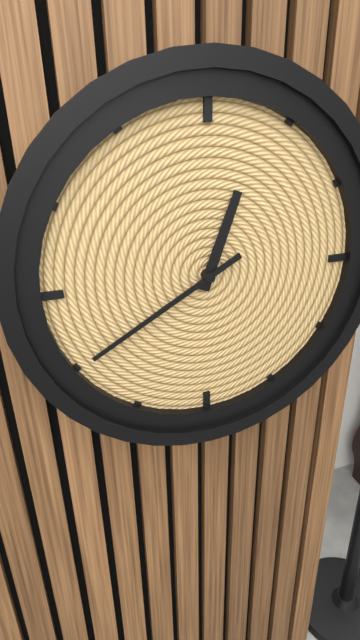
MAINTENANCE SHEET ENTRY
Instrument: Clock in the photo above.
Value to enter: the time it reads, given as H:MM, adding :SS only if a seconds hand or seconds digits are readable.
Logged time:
12:40
